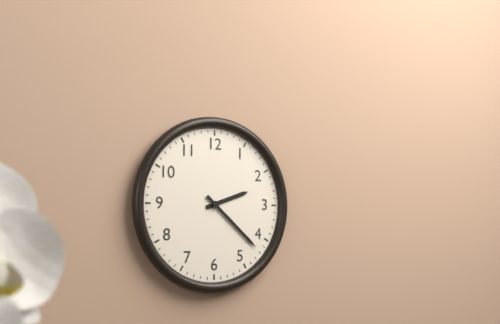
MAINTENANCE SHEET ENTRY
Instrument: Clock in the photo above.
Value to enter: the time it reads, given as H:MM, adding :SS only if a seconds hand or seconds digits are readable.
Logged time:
2:22
